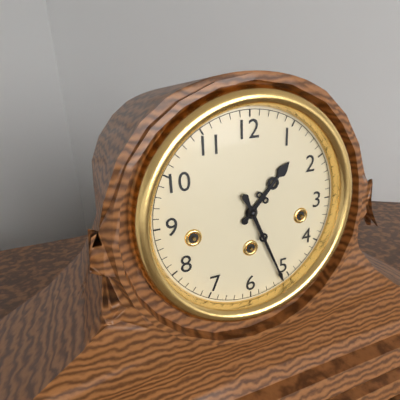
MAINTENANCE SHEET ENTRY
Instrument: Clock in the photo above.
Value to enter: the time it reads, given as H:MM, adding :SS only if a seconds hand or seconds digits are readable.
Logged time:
1:26
